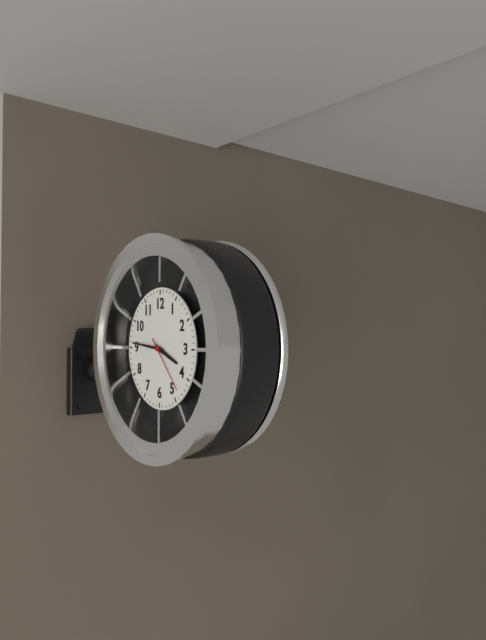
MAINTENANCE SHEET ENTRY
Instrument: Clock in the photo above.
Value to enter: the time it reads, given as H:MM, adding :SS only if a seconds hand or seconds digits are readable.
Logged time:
3:46:23
